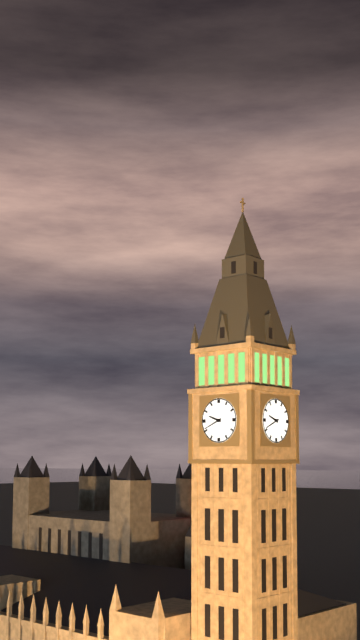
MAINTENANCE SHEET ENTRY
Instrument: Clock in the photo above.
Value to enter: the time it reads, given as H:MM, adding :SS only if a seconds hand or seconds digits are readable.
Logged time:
9:41
